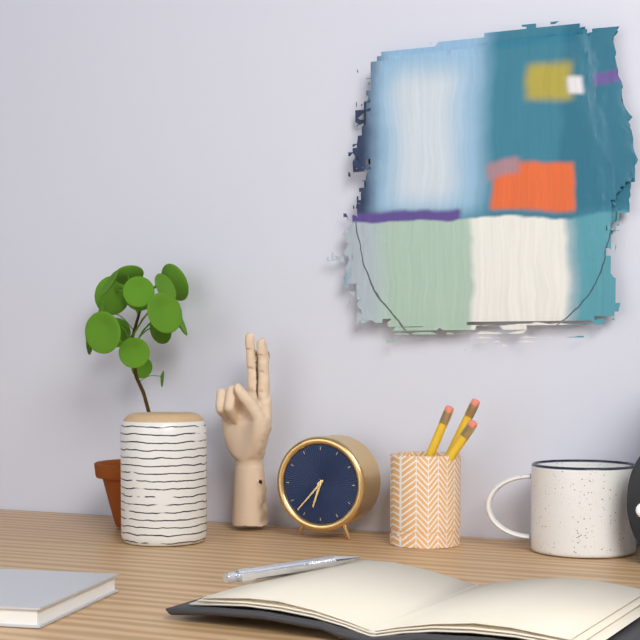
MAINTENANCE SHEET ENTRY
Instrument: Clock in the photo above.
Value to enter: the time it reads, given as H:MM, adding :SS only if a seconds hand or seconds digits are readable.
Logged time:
6:37
